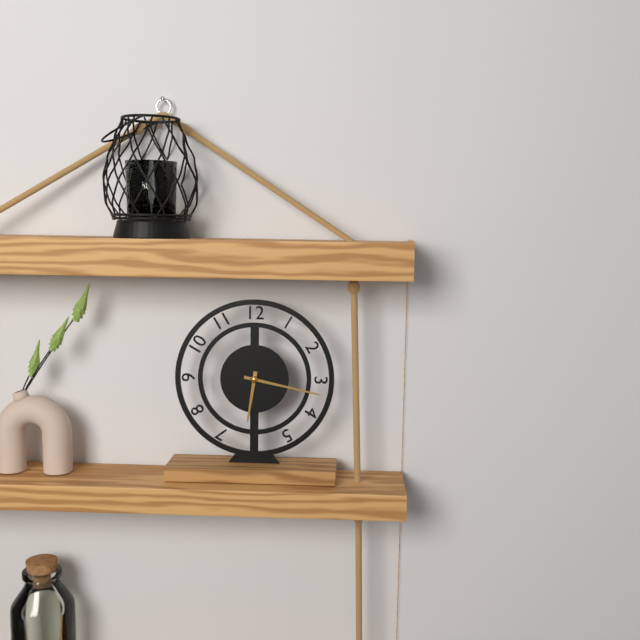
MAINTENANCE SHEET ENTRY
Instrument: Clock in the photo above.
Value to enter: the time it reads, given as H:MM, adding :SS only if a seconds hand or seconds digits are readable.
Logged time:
6:17
